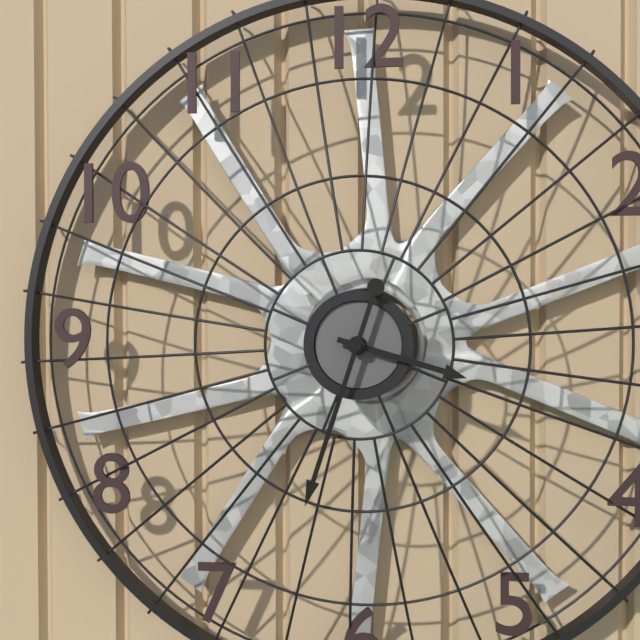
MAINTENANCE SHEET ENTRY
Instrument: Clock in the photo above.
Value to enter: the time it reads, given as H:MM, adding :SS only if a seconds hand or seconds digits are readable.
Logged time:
3:33
